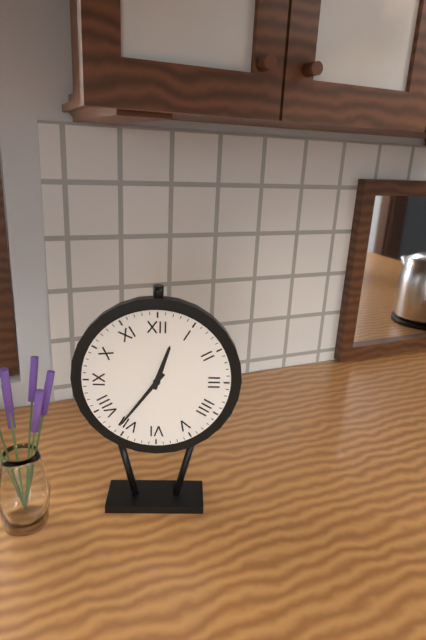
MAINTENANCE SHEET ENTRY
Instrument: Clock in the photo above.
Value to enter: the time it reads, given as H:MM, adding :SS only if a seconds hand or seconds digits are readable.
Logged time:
12:36
